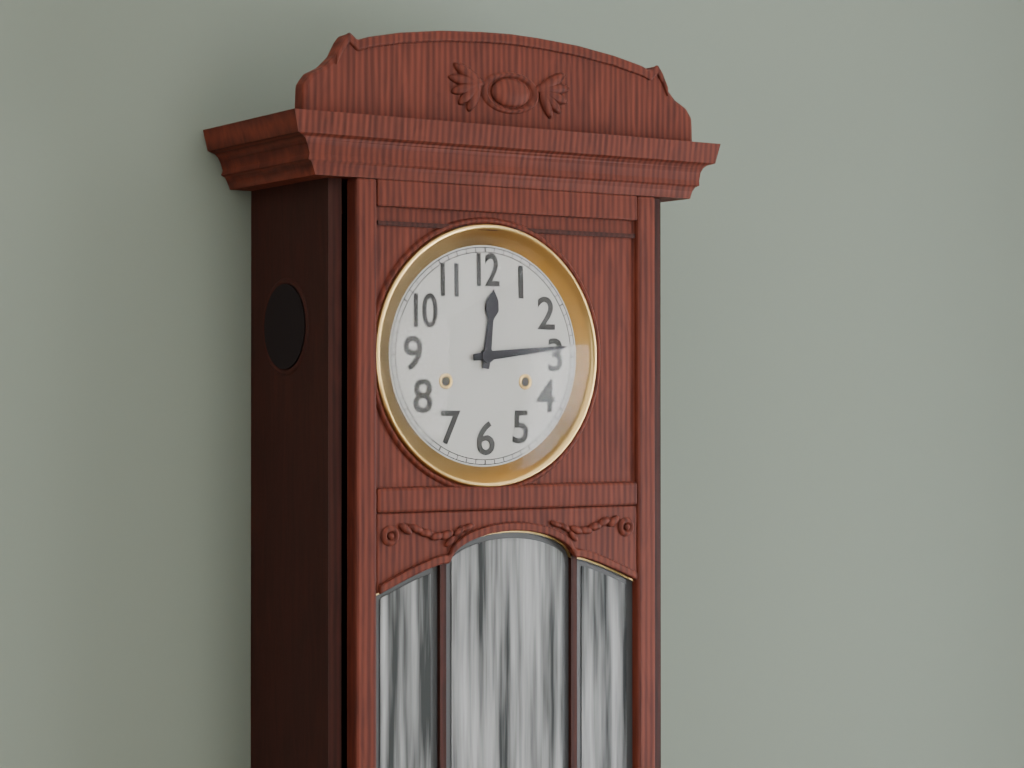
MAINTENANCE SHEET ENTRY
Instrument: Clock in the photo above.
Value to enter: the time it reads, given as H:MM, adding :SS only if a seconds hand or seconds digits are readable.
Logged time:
12:14
